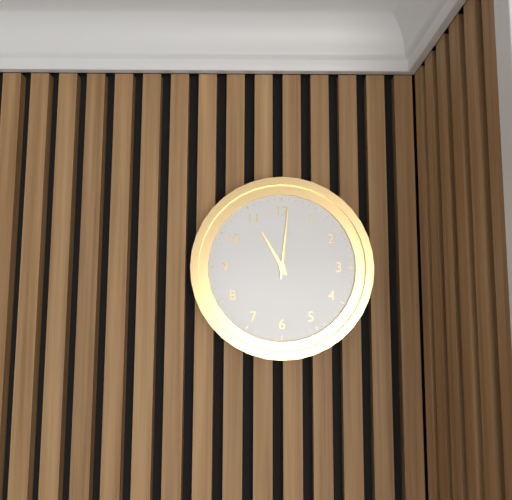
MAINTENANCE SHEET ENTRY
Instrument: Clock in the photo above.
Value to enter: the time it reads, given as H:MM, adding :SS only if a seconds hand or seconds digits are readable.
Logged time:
11:01
